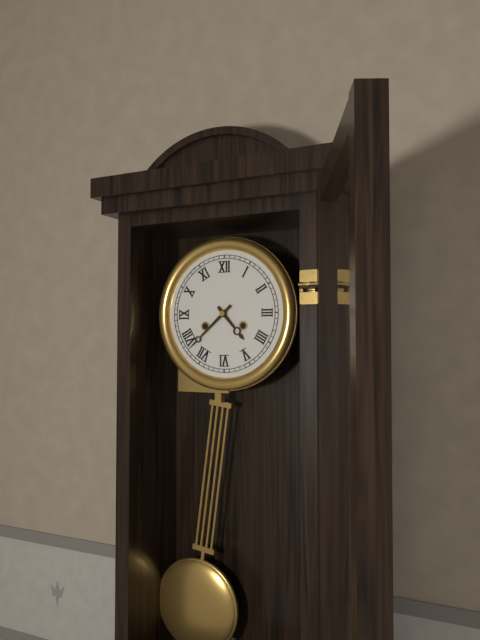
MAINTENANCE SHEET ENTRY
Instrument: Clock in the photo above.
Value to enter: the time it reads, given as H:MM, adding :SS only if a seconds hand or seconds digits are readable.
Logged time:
4:38
